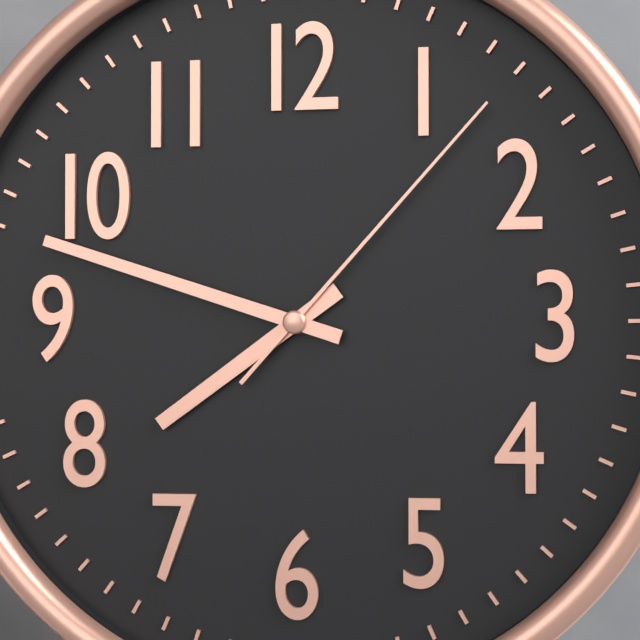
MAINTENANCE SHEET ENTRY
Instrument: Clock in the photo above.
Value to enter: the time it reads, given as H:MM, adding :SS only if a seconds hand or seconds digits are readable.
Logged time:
7:48:07
